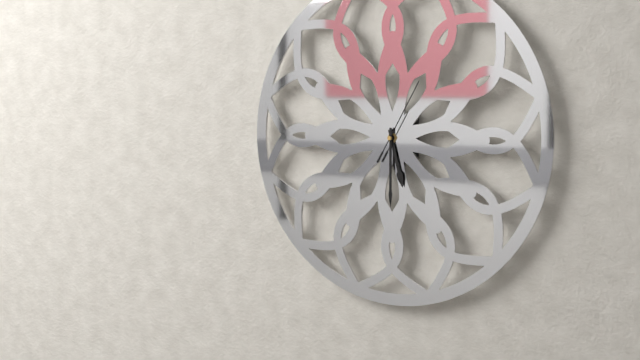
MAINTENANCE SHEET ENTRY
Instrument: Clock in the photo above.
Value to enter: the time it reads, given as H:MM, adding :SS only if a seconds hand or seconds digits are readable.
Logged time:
5:30:05
